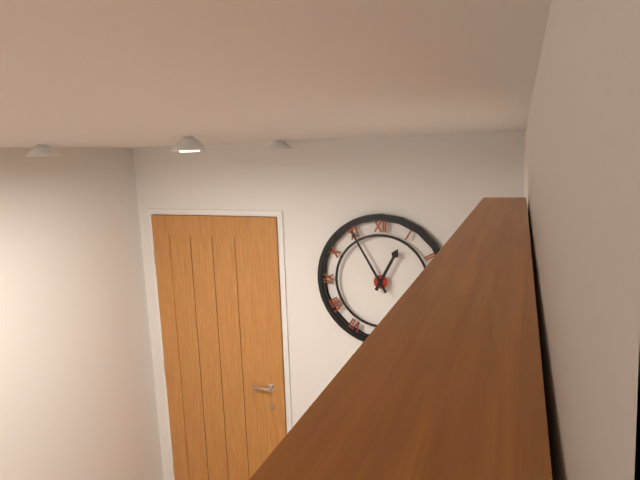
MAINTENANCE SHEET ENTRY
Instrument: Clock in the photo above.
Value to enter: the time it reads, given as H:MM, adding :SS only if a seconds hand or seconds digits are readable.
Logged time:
12:55
